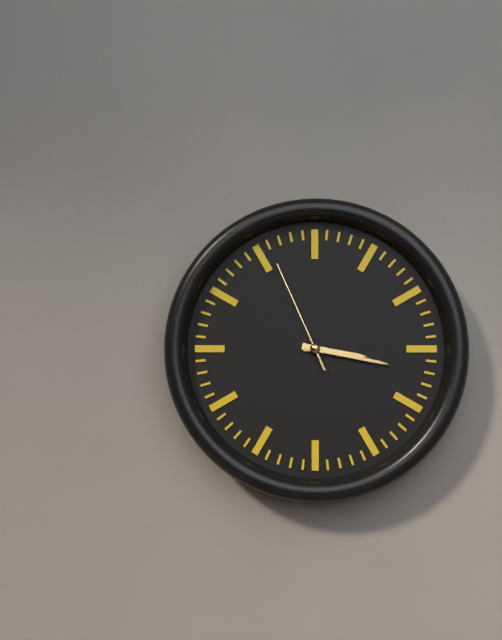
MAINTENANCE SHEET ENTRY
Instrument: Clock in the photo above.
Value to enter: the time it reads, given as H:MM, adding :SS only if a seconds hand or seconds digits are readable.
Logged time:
3:17:56
